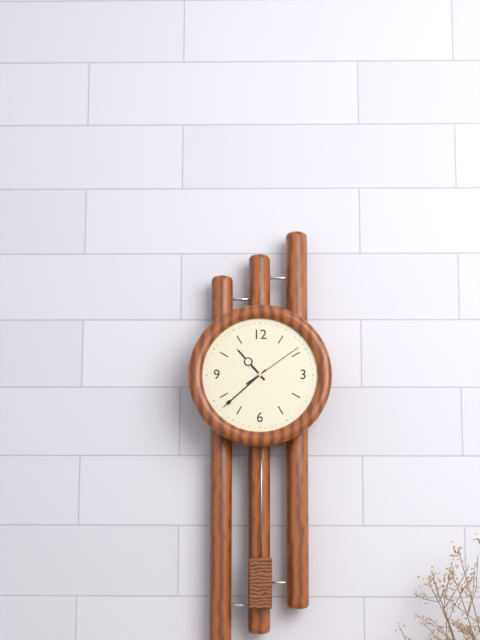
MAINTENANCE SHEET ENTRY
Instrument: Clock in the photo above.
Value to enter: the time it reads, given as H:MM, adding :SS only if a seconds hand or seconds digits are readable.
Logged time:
10:38:09
